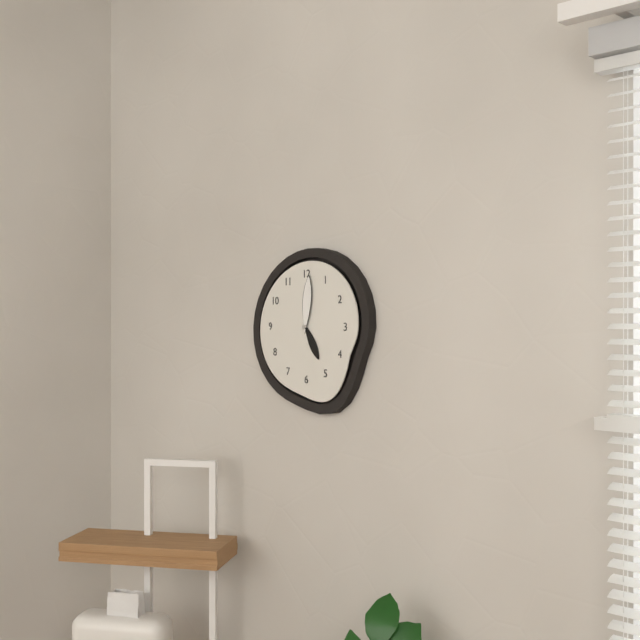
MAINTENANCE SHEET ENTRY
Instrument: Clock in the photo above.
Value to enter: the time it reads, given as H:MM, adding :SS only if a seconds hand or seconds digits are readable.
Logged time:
5:01
